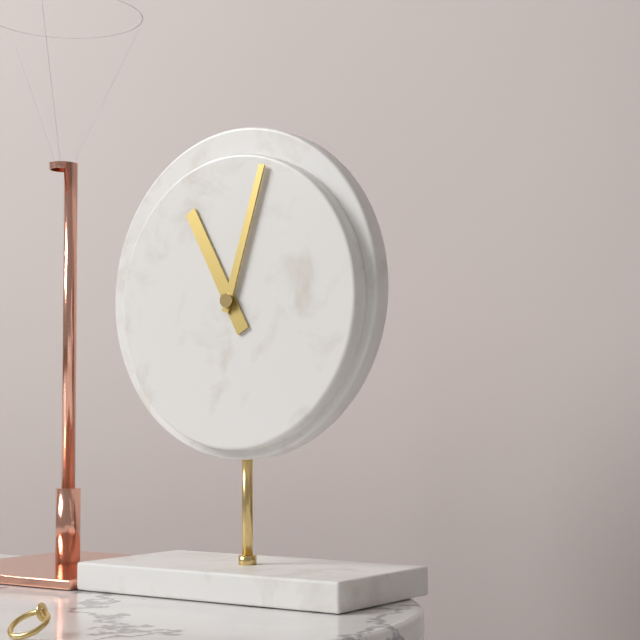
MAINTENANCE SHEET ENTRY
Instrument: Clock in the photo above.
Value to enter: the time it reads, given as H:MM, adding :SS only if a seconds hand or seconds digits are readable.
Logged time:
11:03
